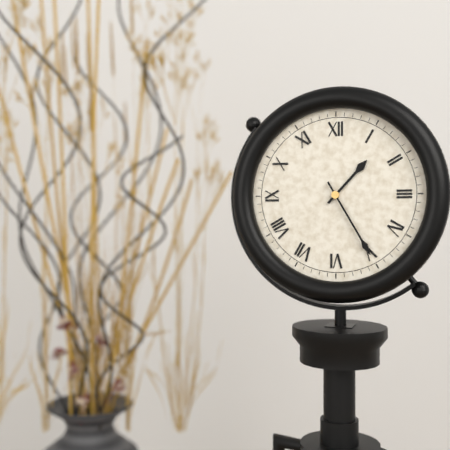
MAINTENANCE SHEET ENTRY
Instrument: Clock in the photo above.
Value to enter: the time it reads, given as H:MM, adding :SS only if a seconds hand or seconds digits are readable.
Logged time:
1:25
